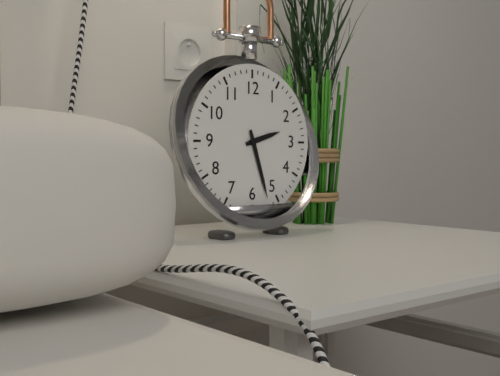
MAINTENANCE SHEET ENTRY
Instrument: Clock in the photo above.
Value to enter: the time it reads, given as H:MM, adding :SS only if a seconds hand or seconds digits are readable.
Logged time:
2:27
